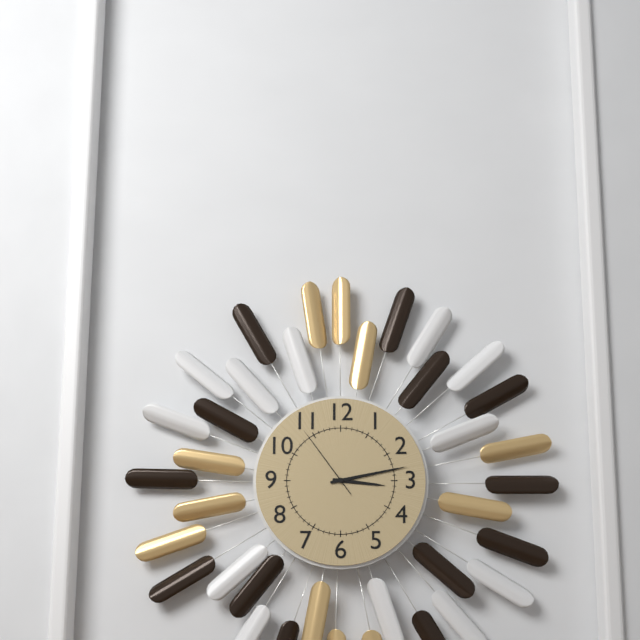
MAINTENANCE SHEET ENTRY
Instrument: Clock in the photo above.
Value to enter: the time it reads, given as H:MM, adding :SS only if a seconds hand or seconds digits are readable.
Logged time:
3:13:54
